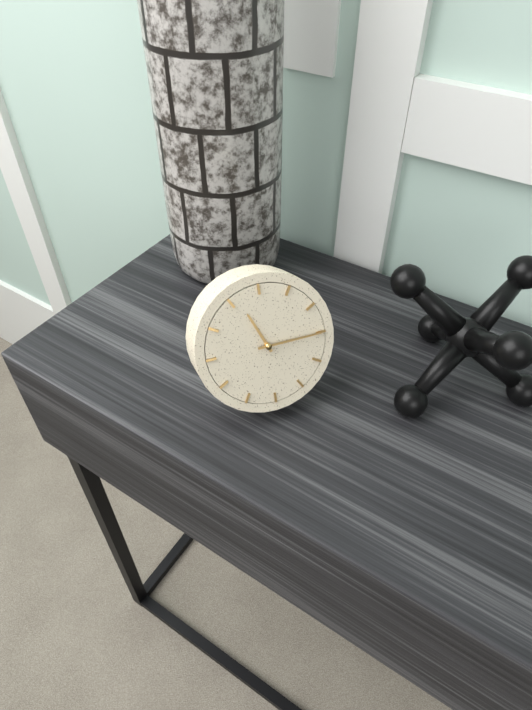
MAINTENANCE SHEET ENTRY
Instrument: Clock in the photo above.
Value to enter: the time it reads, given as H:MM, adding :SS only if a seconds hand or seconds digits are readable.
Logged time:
11:15
